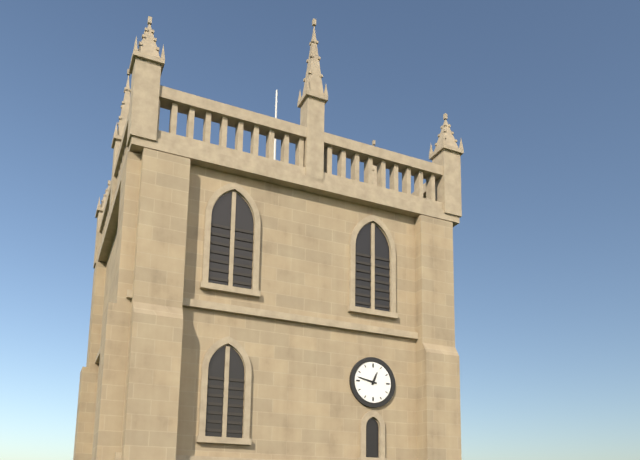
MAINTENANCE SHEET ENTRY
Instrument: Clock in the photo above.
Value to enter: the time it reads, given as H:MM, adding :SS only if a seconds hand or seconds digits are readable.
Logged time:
12:47
